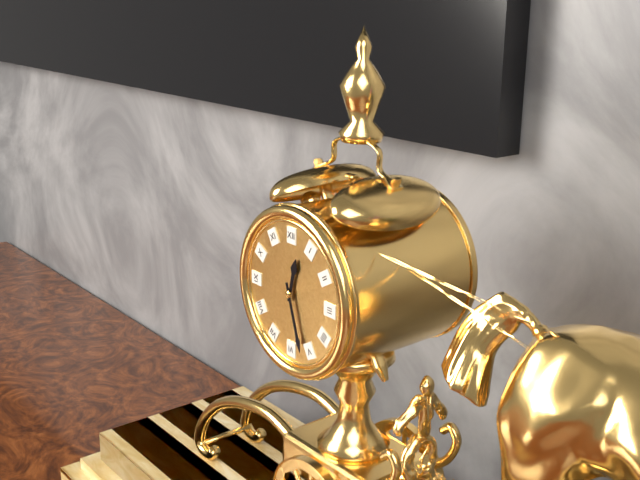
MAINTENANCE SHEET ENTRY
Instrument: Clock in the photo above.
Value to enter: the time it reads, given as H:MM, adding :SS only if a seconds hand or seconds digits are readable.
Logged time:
12:27
